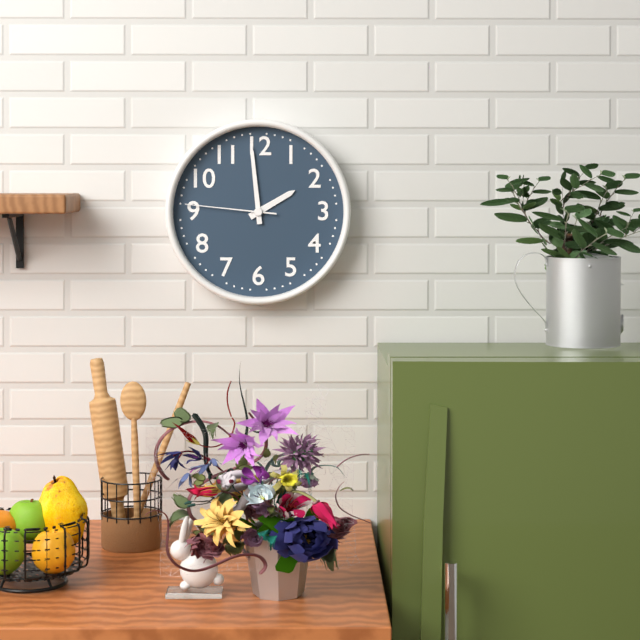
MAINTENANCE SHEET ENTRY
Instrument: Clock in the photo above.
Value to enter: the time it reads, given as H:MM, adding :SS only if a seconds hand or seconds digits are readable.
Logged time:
1:59:46
